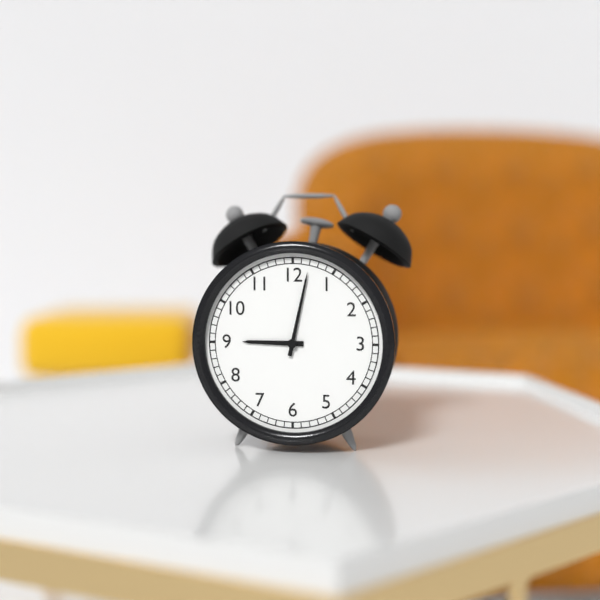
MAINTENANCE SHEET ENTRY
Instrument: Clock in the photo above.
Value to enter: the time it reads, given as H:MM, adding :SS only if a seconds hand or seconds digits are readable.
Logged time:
9:02
